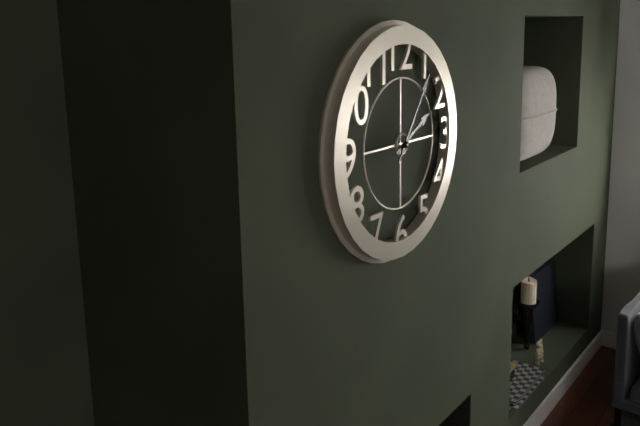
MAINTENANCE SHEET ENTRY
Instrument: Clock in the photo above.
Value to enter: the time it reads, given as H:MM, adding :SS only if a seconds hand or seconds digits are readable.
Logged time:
2:06
